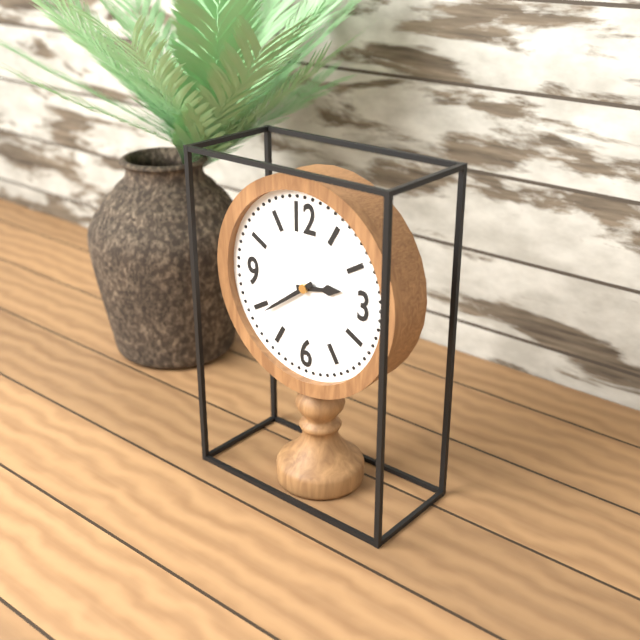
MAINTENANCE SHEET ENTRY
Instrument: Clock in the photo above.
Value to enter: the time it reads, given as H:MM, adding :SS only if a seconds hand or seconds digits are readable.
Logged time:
2:39
